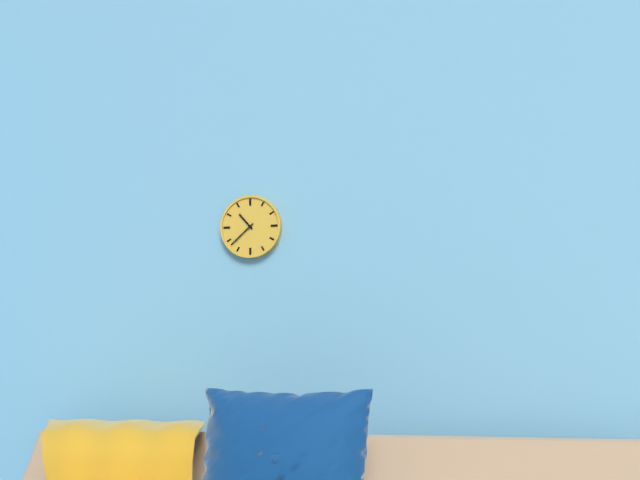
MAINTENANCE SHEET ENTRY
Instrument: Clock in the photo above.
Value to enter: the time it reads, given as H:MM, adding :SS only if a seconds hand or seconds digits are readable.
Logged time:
10:38
